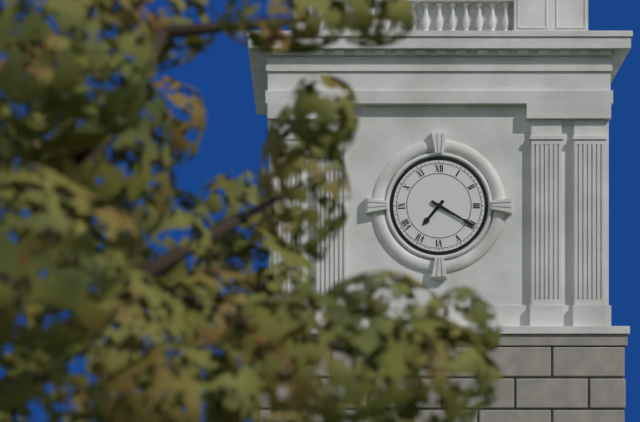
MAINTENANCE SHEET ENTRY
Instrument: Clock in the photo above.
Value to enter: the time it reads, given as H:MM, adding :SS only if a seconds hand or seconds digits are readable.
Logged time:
7:20
